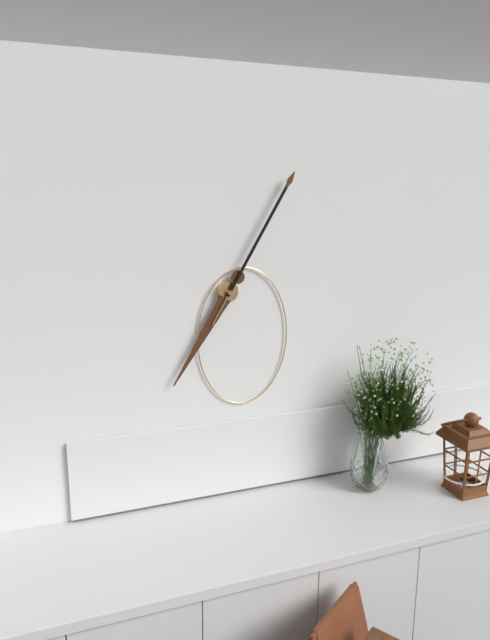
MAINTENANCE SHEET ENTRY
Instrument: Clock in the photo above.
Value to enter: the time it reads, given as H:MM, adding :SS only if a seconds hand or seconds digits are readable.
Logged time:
7:05
